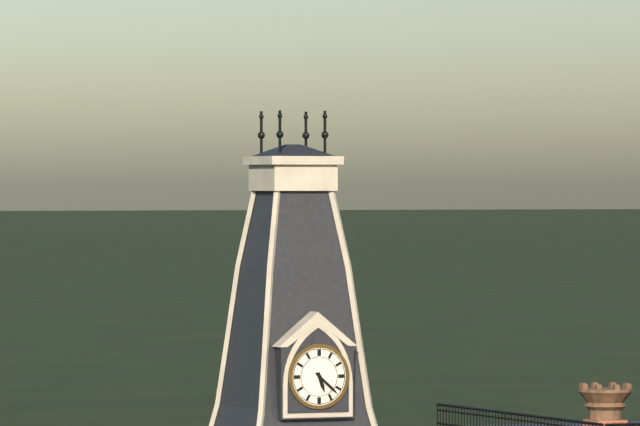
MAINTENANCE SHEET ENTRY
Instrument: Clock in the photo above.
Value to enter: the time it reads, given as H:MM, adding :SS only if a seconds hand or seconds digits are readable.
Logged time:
5:22
